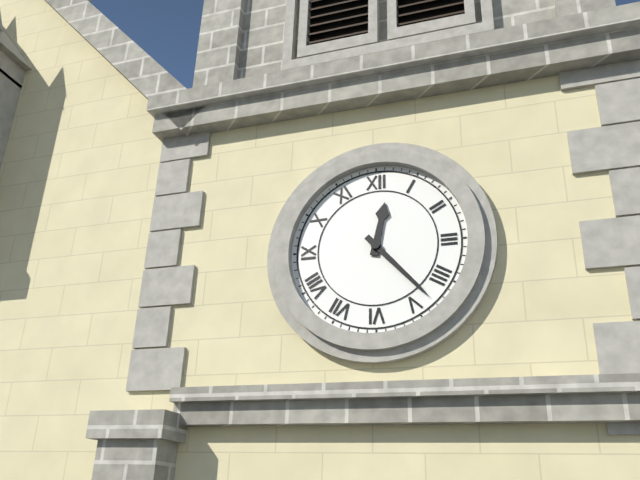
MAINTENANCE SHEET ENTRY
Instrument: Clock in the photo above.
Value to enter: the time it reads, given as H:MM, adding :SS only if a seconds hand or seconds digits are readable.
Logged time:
12:23
